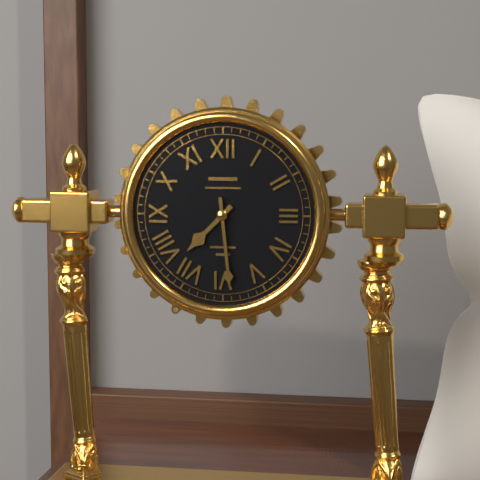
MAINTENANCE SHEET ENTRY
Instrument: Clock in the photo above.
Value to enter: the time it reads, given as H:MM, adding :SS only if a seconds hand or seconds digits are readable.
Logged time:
7:29
